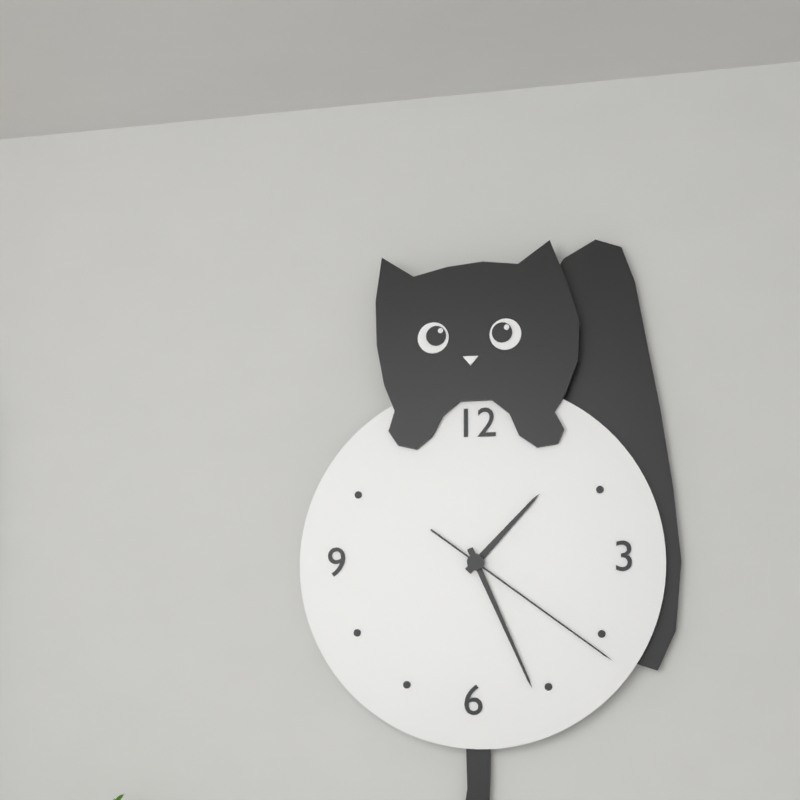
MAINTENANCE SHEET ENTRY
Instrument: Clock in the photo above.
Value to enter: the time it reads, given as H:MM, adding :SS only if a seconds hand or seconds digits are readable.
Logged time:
1:26:21
